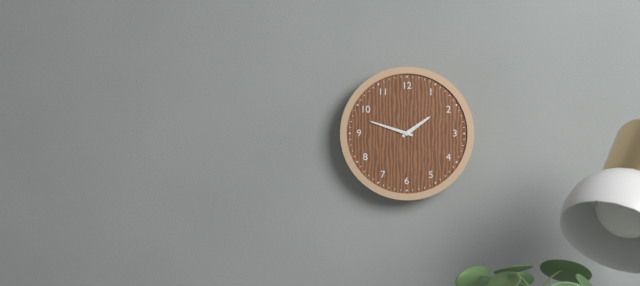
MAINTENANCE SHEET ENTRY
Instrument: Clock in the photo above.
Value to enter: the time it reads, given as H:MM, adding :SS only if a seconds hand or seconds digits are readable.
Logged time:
1:48
